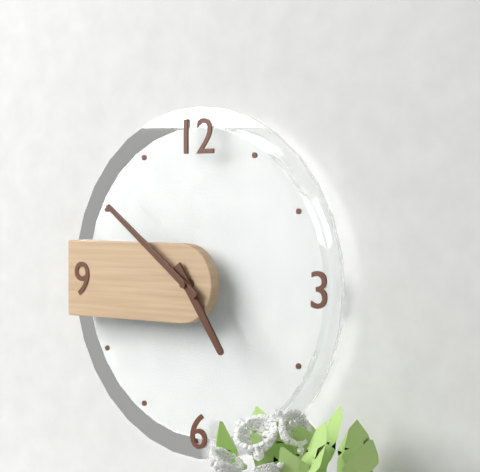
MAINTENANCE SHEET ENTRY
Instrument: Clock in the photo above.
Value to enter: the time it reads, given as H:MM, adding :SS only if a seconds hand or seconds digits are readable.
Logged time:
4:51
